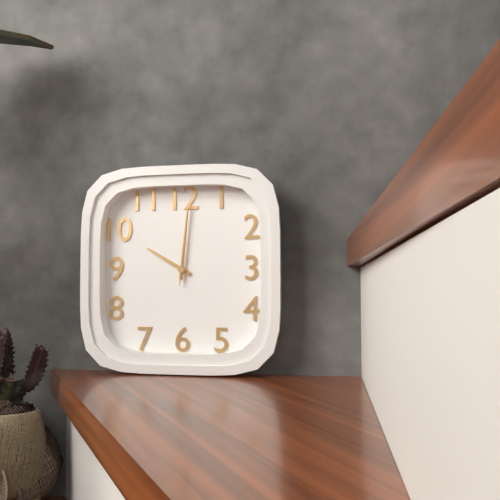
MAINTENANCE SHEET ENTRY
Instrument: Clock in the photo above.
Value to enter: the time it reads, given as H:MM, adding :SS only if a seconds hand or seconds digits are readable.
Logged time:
10:01:01
